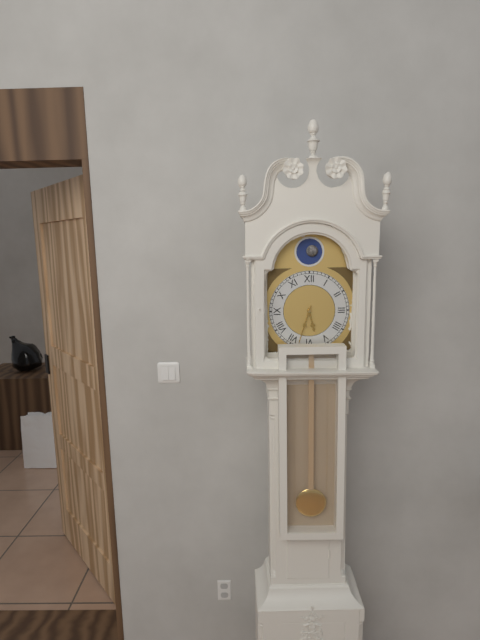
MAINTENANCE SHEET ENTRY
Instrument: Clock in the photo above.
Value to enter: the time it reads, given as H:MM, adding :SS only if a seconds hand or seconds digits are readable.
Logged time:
5:33
